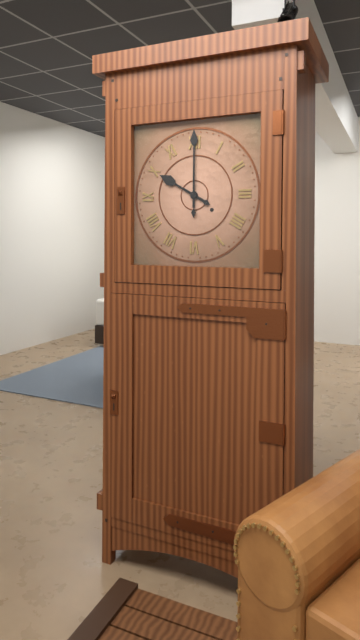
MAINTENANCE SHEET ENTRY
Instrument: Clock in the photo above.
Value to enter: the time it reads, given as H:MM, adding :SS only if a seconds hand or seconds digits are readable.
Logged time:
10:00
